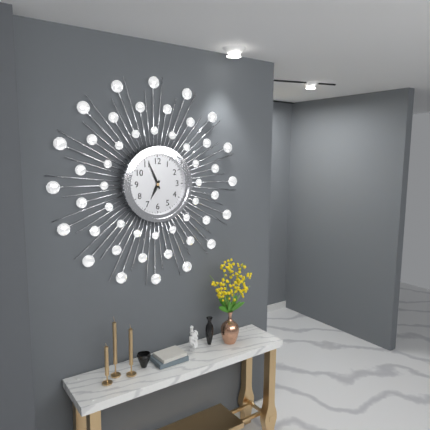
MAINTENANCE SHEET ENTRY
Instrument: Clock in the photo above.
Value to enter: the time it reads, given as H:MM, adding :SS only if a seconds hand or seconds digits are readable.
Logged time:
6:56
